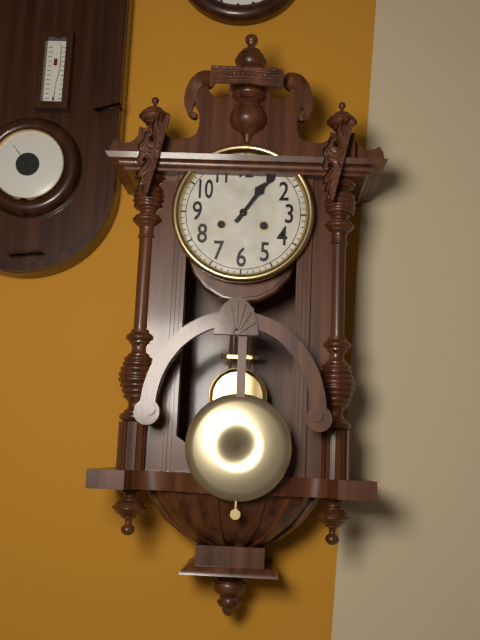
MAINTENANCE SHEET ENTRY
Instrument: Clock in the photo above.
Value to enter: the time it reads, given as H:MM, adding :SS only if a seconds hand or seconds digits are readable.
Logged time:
1:06
